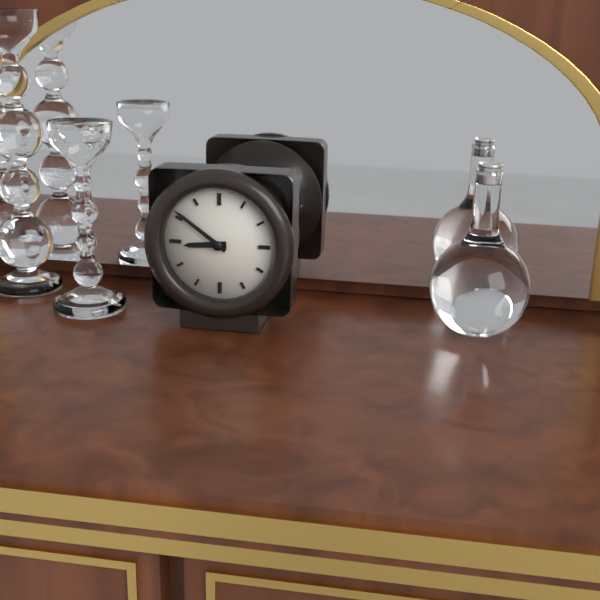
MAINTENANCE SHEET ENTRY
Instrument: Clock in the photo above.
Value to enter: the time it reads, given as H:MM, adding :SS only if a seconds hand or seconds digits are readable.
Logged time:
8:51
